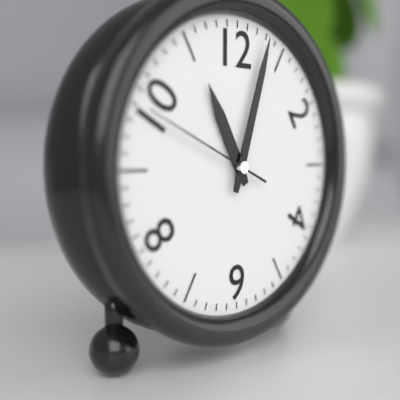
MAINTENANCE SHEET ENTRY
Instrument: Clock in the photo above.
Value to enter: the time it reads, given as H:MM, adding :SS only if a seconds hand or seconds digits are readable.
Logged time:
11:03:49
